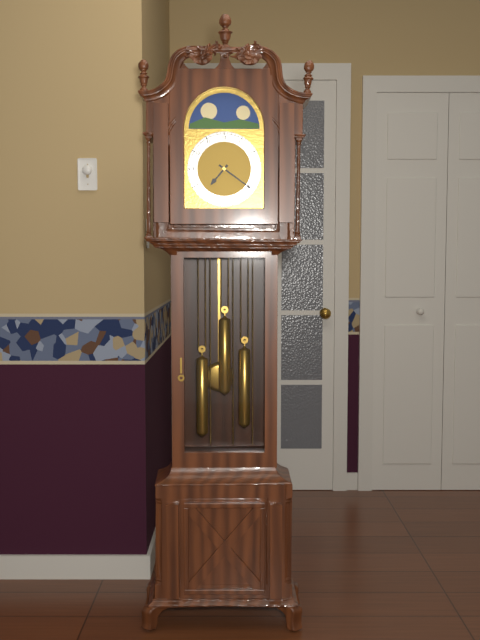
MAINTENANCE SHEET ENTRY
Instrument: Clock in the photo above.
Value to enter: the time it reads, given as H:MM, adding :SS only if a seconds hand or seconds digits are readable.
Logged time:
7:21
